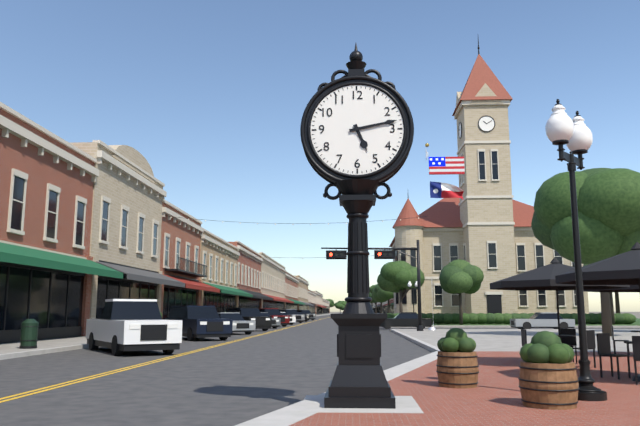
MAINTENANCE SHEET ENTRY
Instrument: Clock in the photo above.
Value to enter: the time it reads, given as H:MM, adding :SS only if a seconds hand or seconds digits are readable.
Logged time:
5:13
